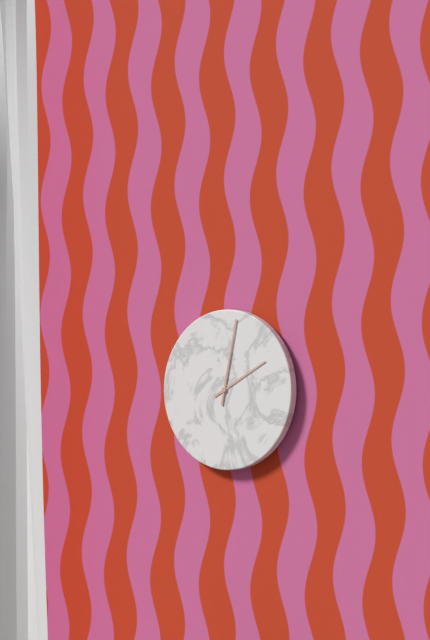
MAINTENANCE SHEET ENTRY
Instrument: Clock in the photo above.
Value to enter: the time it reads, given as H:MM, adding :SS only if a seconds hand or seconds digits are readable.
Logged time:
2:02
